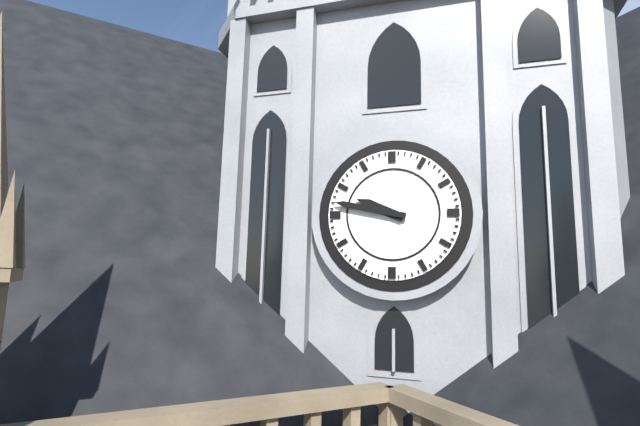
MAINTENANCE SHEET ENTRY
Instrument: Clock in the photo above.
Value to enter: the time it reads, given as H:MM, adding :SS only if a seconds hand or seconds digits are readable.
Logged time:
9:47
